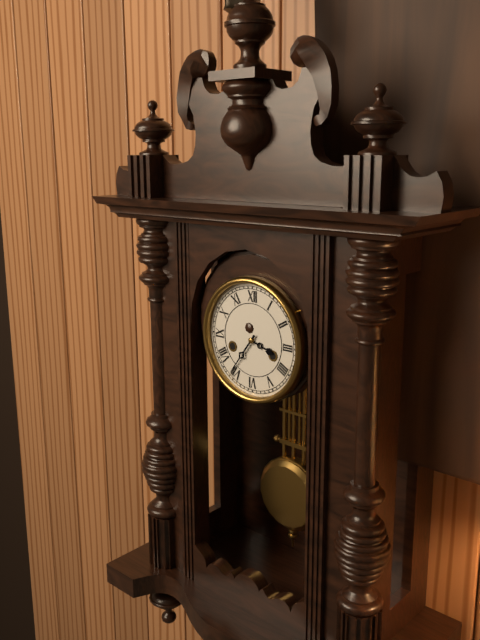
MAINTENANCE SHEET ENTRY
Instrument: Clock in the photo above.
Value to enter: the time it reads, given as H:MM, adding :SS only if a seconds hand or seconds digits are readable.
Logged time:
3:36
